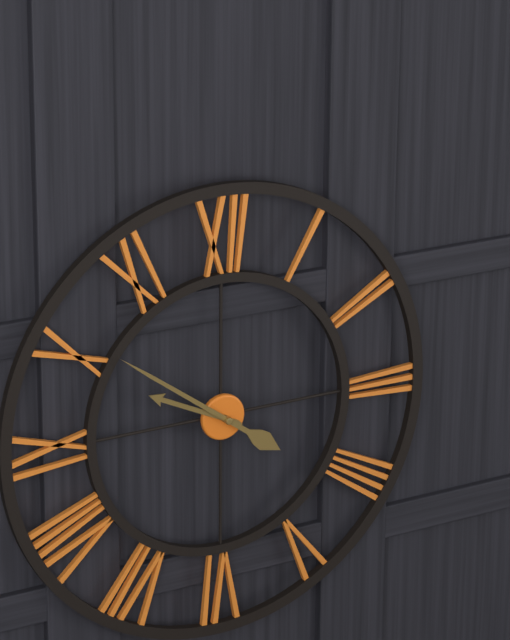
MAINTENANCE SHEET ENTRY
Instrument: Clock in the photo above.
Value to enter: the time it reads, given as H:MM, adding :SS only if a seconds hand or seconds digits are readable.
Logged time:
9:51
